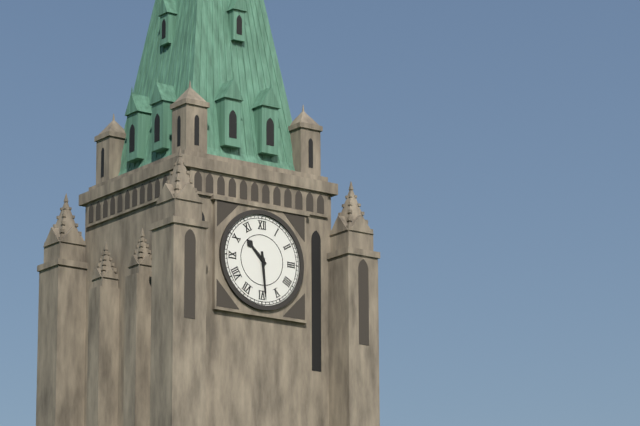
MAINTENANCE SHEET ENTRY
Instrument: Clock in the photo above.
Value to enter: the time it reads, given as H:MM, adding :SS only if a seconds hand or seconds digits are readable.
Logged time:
10:29
